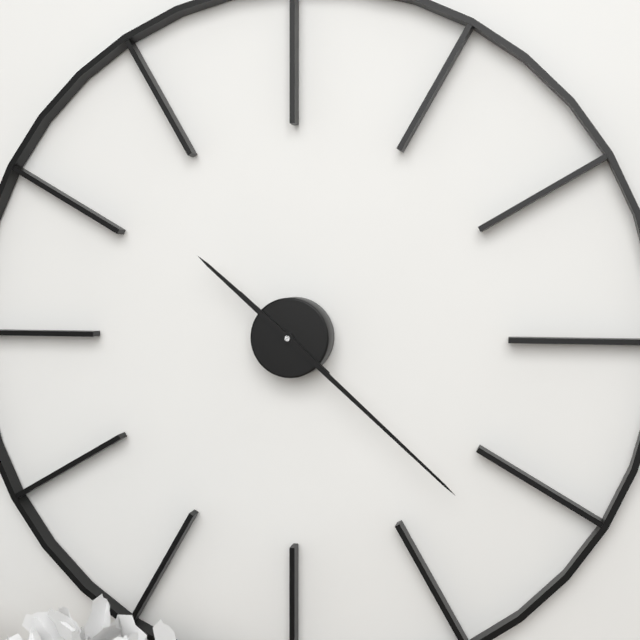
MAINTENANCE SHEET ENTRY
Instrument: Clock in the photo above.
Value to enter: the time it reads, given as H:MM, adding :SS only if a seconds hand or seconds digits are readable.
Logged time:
10:22
